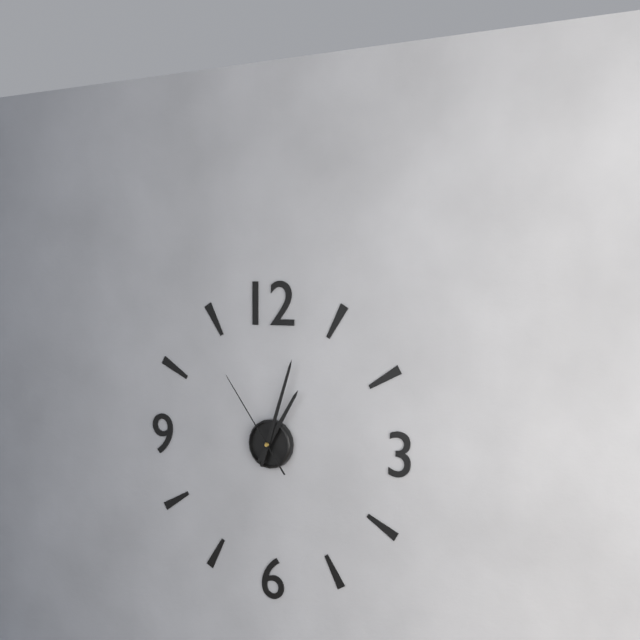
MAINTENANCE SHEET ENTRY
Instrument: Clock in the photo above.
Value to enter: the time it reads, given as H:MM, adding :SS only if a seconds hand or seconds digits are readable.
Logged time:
1:03:54
